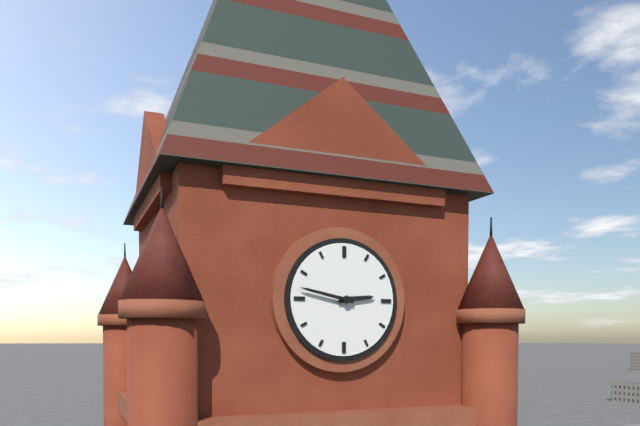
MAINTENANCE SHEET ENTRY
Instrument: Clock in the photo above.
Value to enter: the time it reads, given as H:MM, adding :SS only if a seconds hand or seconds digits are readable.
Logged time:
2:47
